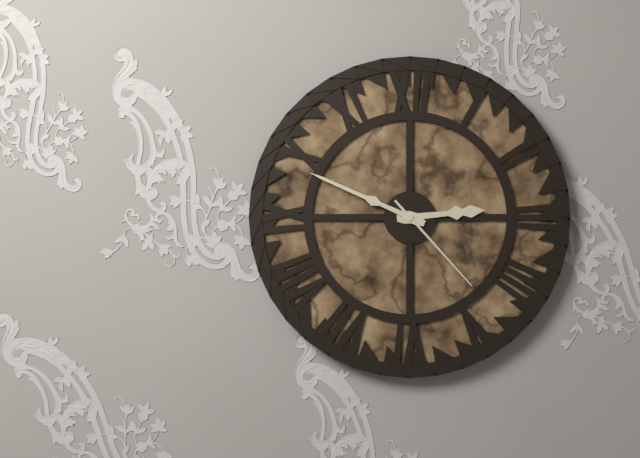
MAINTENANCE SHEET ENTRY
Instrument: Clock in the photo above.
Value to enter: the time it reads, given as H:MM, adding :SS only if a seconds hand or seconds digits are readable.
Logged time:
2:49:23
